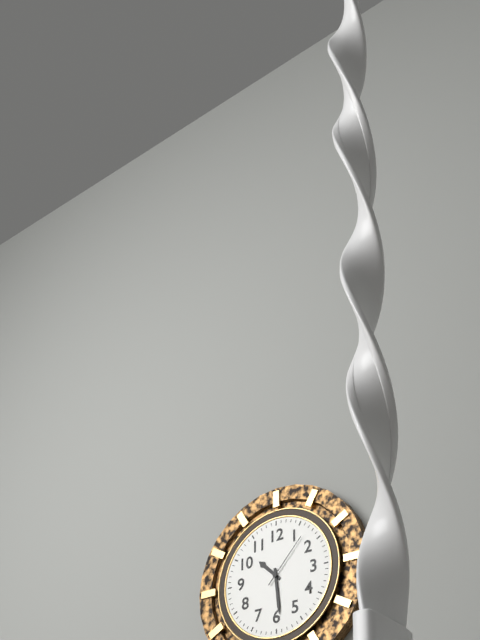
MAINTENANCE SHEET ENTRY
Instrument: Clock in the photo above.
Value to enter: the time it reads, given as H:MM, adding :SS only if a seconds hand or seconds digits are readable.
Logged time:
10:29:07
